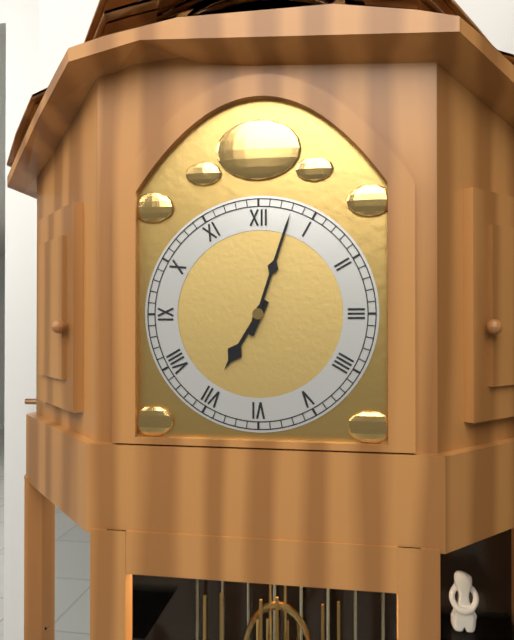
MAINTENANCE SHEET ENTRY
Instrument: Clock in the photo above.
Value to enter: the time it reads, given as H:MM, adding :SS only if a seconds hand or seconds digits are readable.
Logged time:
7:03
